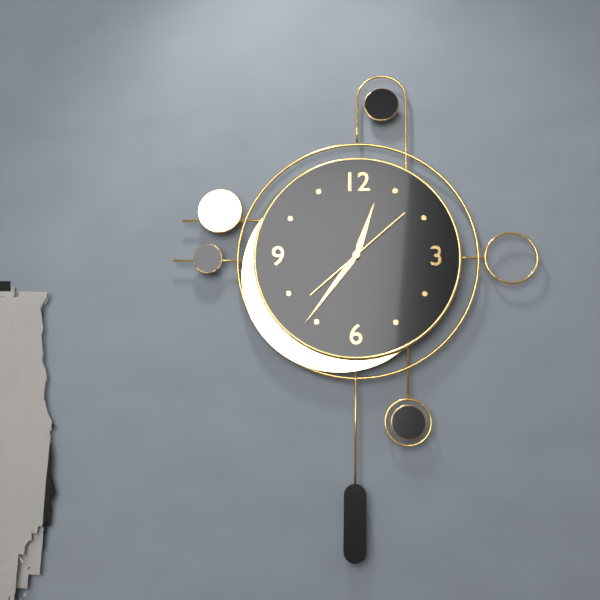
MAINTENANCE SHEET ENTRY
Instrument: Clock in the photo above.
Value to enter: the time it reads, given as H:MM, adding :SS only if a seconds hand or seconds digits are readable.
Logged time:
12:36:08
